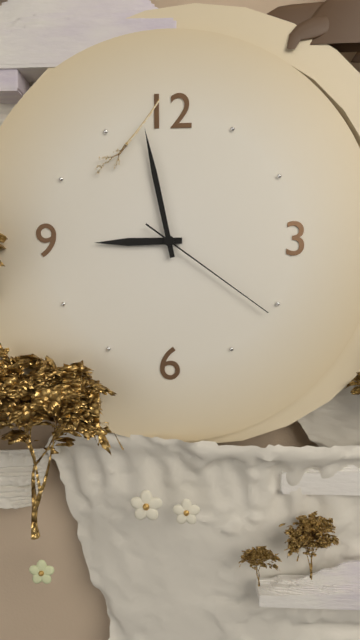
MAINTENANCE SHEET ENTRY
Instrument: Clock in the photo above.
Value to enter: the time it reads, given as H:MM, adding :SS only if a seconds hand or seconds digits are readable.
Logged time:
8:58:21
